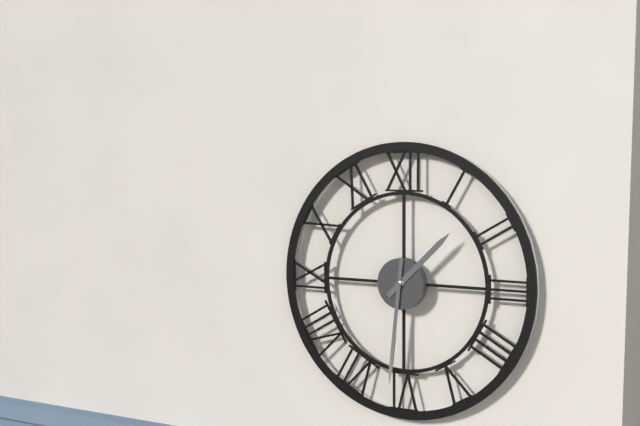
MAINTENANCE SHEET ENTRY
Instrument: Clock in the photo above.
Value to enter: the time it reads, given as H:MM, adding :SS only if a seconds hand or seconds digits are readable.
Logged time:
1:31
